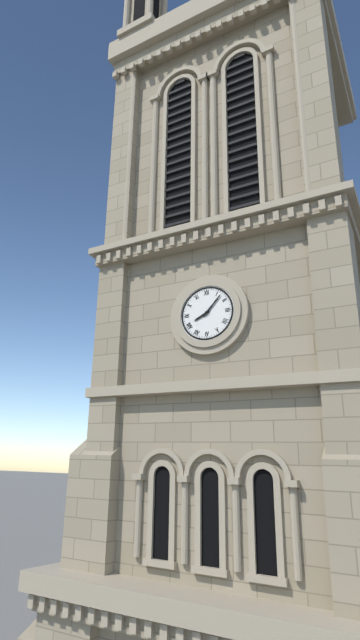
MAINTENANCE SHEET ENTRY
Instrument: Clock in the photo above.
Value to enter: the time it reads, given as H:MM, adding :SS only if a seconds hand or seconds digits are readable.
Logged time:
8:07
